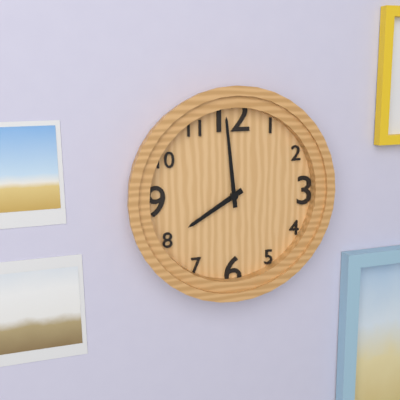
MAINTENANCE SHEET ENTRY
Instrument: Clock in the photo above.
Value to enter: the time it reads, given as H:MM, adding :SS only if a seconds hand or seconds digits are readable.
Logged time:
7:59
